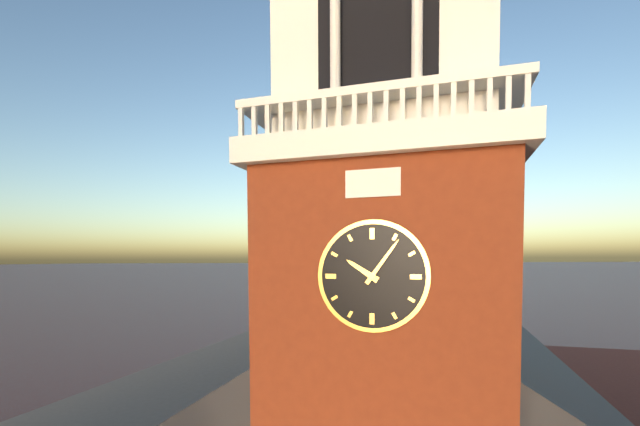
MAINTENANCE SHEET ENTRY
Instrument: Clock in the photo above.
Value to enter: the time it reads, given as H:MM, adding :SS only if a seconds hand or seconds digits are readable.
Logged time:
10:06
